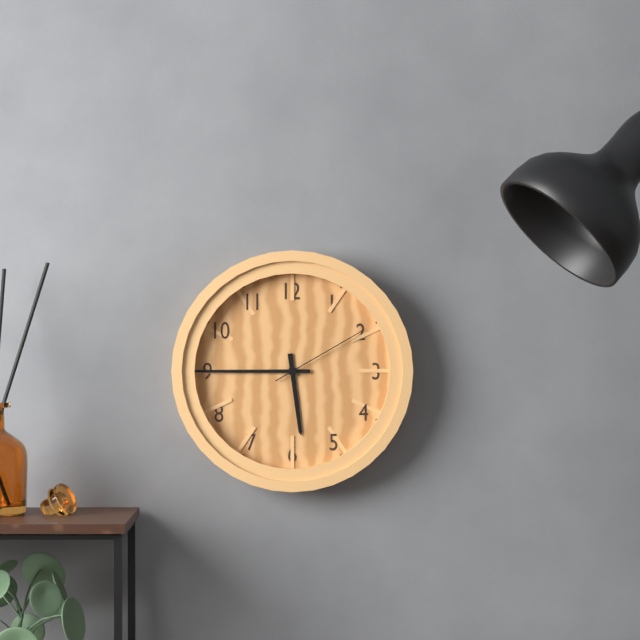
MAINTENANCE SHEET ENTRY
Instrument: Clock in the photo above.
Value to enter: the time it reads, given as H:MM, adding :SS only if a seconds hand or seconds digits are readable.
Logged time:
5:45:10
